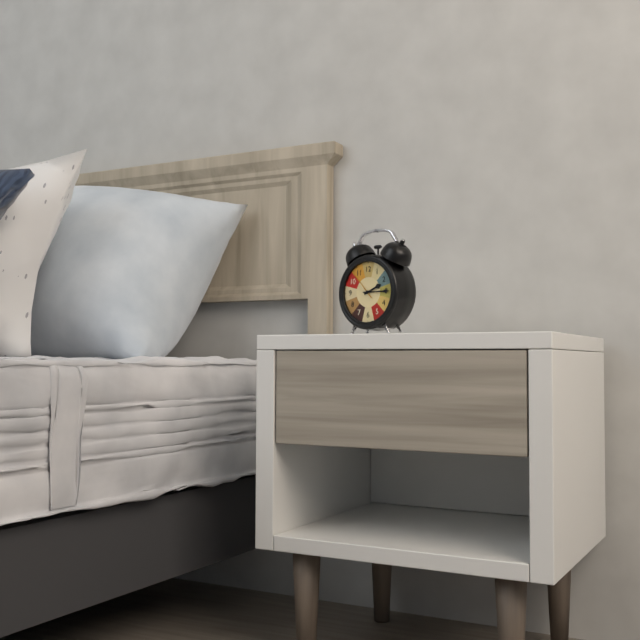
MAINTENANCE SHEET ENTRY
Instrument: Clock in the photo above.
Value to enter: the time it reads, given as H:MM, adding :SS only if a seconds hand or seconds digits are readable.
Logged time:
2:15
